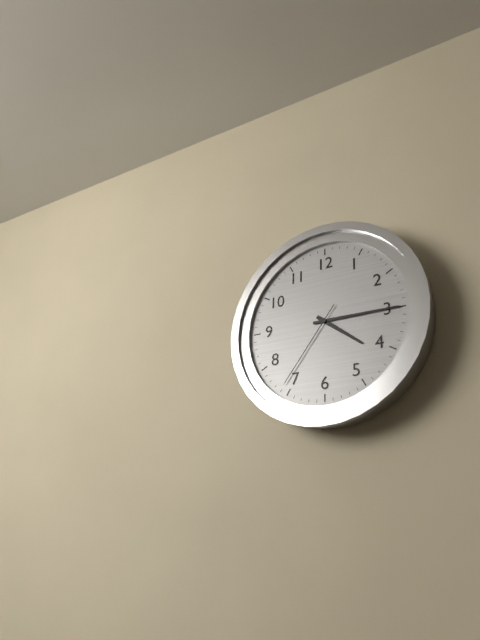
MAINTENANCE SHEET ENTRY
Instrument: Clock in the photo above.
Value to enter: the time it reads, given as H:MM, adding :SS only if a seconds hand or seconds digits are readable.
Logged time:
4:15:36
